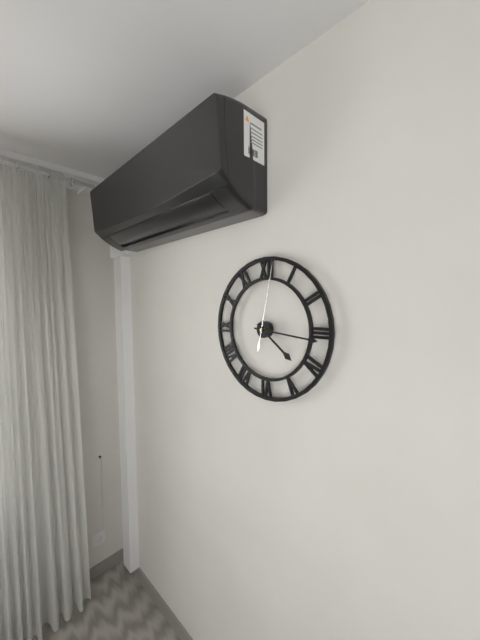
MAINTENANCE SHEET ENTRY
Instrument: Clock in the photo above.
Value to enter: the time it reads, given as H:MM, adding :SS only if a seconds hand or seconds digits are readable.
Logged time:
4:16:02
